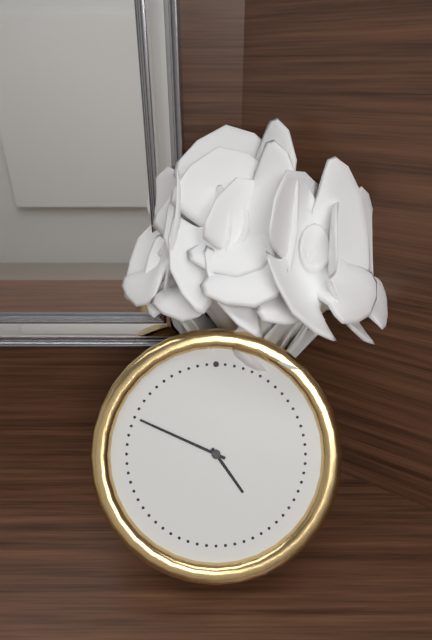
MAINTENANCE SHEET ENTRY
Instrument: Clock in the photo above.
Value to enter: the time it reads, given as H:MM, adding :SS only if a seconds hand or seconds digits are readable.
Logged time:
4:49
